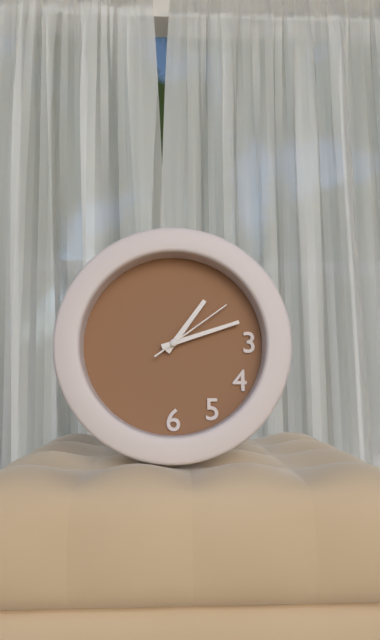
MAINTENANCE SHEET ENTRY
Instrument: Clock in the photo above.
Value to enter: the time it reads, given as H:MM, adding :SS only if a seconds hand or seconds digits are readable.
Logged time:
1:12:09
